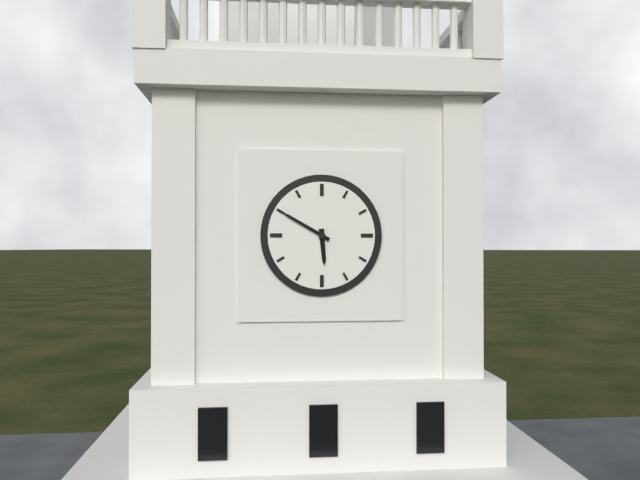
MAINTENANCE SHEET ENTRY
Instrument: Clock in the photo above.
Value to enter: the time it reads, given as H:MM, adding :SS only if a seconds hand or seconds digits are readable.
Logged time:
5:50
